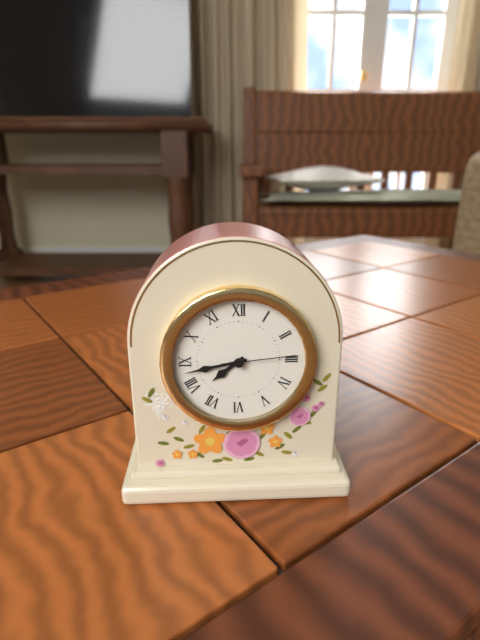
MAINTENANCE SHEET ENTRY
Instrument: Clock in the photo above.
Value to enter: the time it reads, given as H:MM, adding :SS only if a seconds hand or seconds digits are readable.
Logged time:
7:43:14
